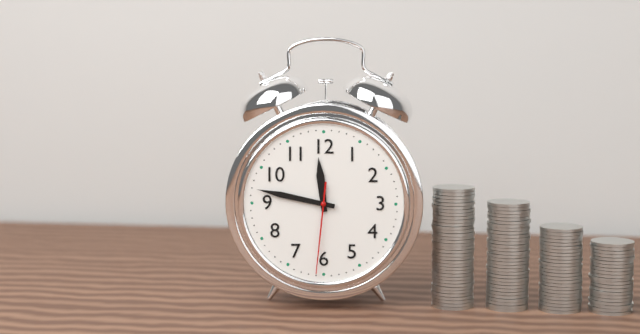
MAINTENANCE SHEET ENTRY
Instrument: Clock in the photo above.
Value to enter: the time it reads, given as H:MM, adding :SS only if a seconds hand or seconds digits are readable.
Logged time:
11:47:31
